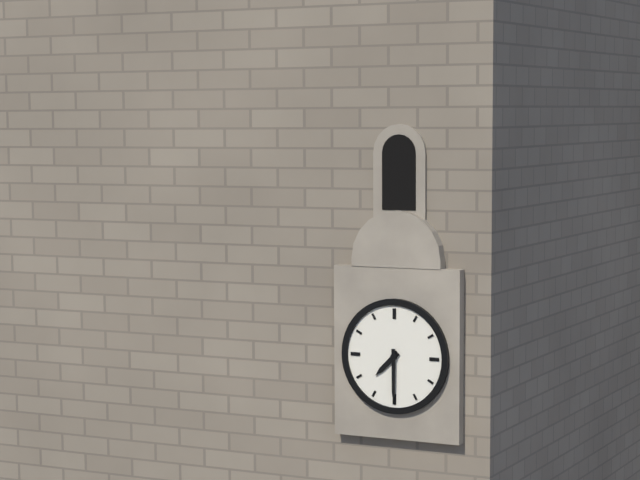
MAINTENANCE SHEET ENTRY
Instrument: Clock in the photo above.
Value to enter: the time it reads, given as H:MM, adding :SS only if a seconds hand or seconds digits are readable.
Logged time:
7:30
